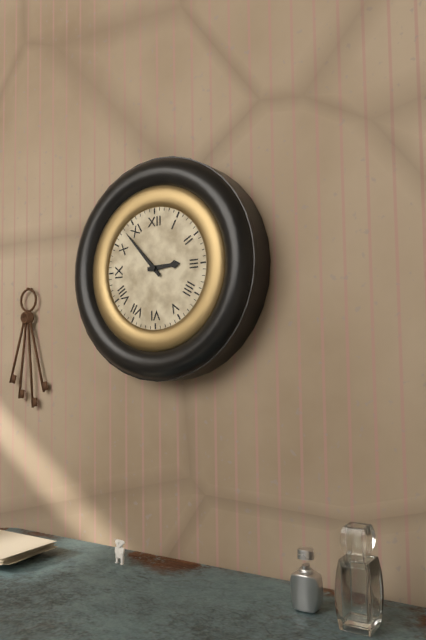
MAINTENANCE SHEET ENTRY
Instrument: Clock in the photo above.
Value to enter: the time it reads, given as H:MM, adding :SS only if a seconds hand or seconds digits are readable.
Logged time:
2:53
